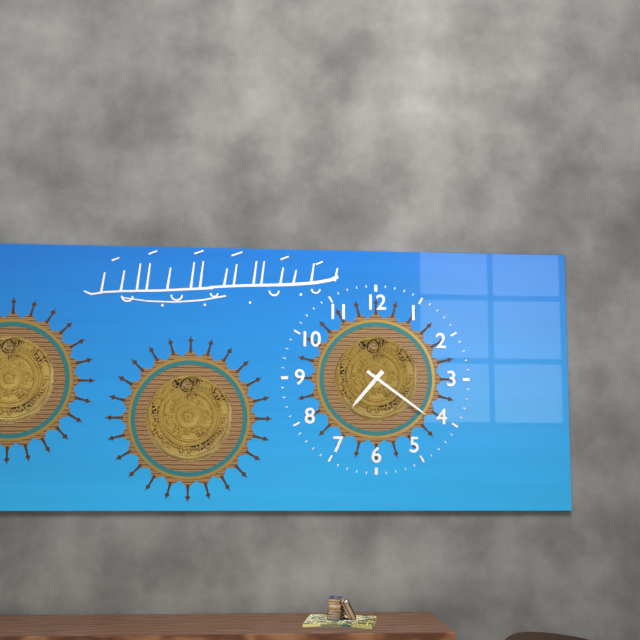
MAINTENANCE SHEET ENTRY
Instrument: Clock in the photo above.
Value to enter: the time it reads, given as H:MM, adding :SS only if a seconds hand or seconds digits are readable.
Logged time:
7:21
